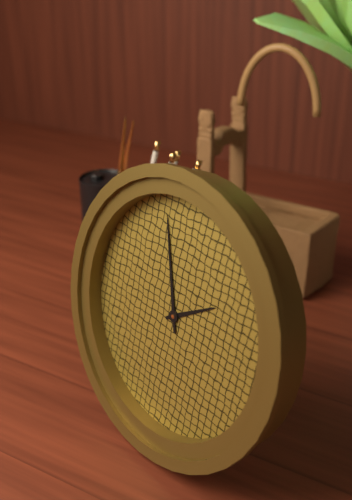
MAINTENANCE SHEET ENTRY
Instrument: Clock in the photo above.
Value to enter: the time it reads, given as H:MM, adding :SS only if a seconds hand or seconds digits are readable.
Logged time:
1:57
